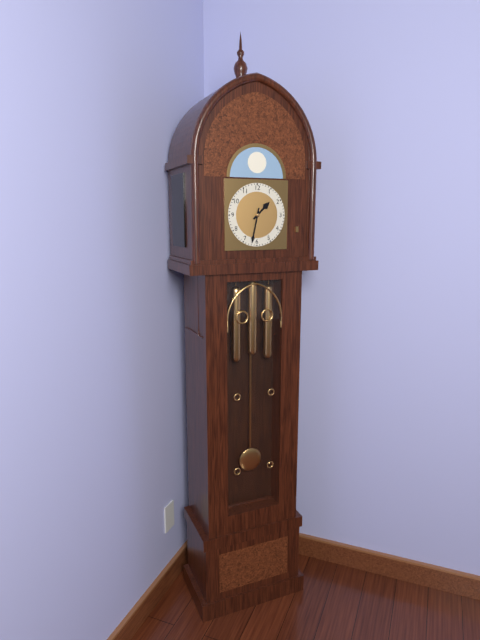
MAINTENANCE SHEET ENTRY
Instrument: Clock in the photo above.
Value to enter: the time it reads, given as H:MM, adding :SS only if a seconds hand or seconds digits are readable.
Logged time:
1:32
